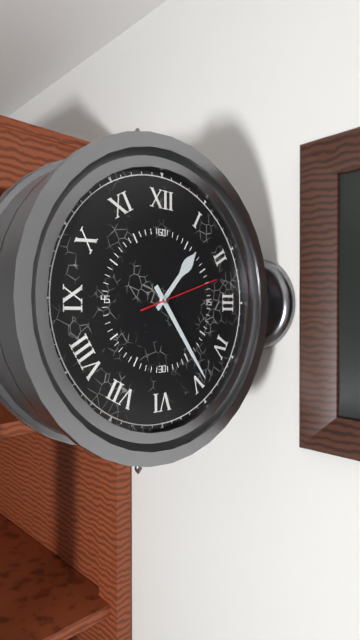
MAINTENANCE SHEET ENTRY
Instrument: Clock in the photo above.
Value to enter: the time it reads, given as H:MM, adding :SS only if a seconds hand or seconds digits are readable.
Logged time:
1:24:12
